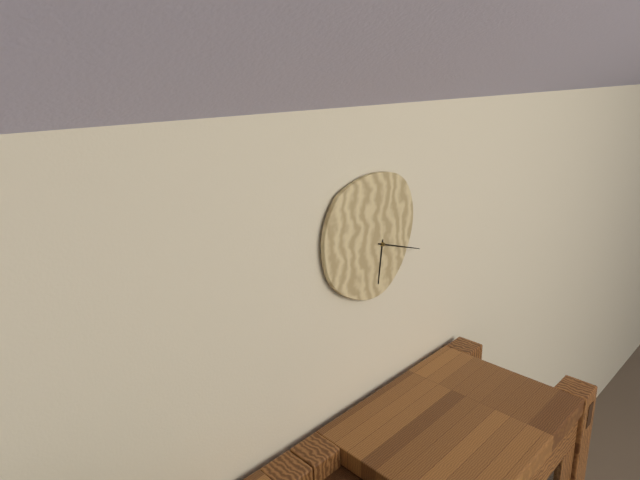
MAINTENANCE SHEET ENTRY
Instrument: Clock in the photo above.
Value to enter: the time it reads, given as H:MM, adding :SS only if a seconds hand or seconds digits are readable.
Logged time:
6:18
